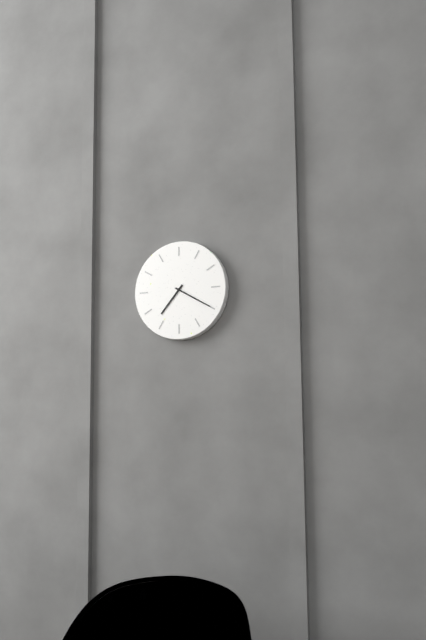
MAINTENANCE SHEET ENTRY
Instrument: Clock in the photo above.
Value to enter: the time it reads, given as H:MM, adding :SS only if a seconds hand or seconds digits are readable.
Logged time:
7:20
